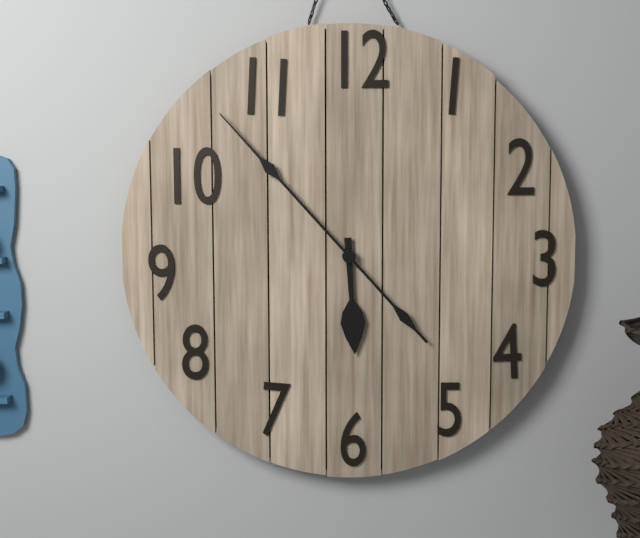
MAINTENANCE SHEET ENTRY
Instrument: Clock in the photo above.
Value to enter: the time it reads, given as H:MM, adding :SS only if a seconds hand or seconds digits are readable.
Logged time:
5:53
